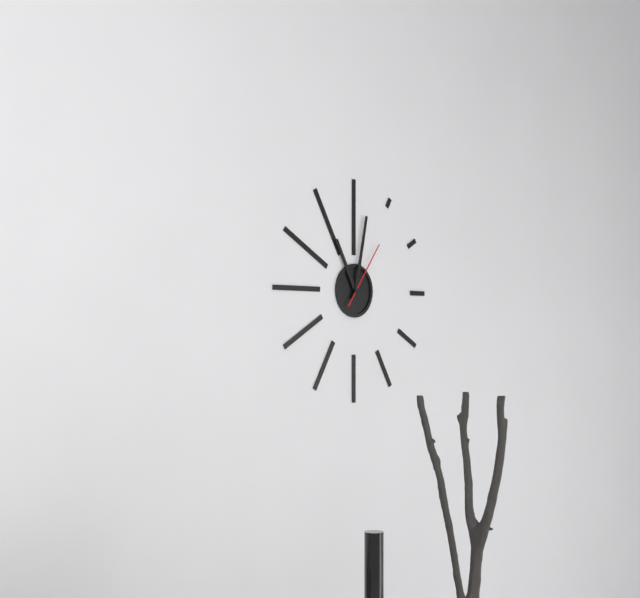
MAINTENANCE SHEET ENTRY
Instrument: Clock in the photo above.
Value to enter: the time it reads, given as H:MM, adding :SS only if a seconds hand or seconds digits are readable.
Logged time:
11:02:06
